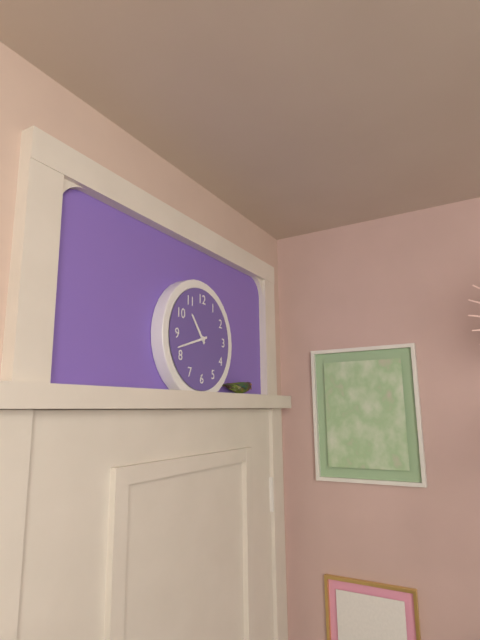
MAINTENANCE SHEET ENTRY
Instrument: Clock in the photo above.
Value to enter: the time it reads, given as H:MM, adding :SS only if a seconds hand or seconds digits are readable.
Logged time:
10:42
